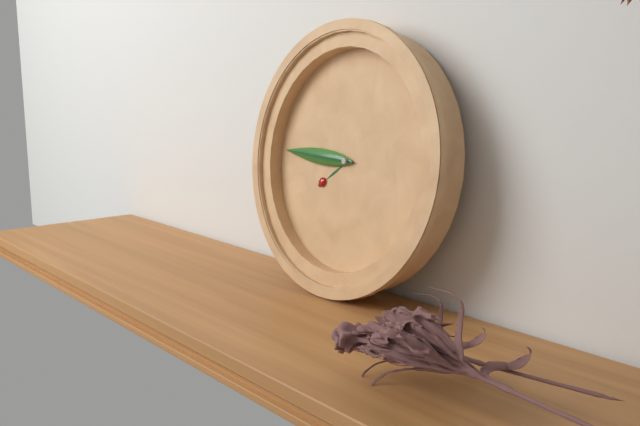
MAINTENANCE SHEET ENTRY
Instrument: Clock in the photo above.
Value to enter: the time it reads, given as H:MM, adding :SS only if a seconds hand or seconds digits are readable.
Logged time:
7:45
